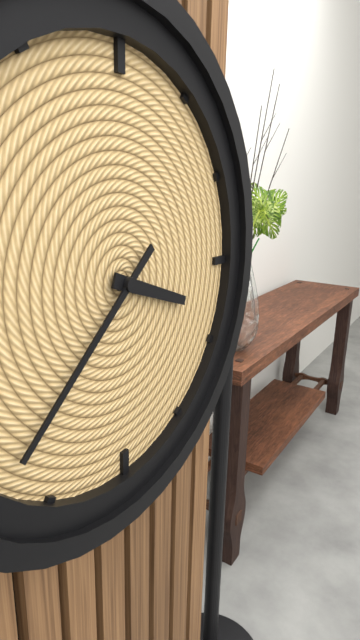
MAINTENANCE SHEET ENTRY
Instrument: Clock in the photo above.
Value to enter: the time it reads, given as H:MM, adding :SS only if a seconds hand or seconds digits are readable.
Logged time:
3:38
